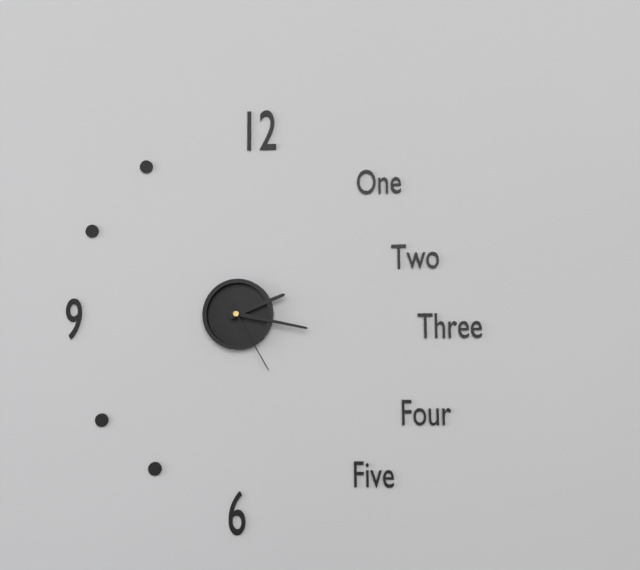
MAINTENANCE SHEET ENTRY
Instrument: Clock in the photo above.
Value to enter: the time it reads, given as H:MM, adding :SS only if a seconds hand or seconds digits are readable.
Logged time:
2:17:25
